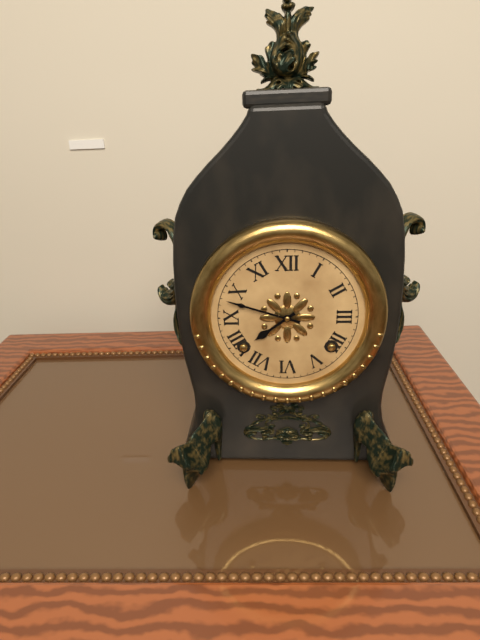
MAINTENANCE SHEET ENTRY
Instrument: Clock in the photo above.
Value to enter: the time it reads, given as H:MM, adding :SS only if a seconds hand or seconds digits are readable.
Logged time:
7:48
